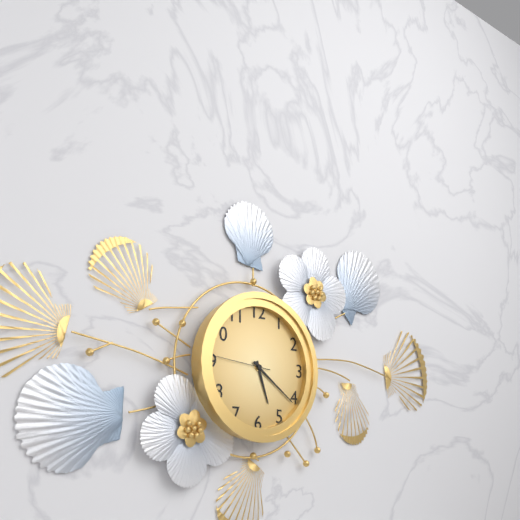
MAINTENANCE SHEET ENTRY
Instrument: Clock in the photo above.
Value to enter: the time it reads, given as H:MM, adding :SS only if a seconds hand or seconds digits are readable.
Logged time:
5:21:46
